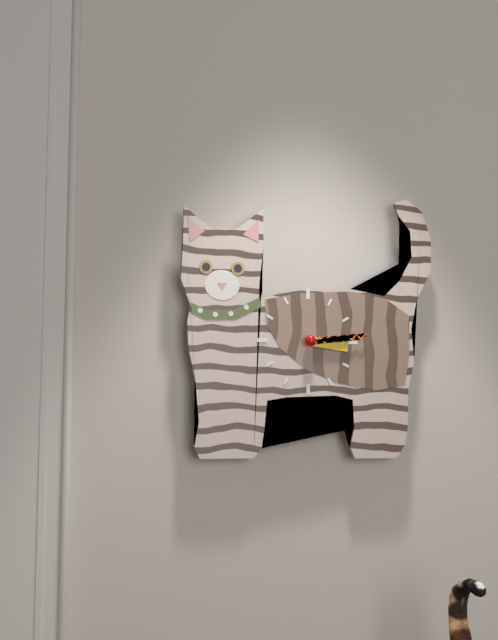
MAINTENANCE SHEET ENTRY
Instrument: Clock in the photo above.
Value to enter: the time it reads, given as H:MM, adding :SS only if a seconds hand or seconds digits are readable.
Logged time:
3:14
